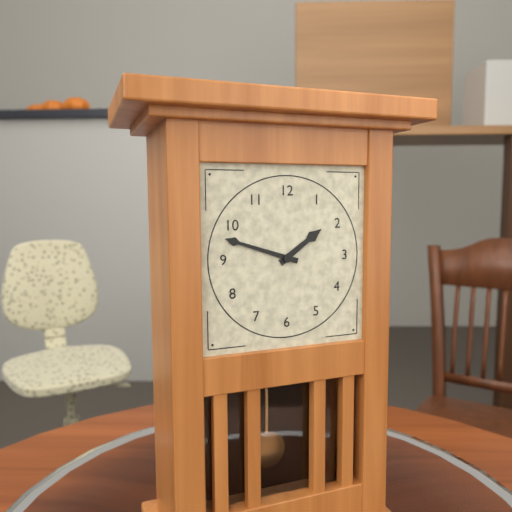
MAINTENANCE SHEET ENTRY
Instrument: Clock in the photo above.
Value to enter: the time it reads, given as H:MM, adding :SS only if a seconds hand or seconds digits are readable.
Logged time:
1:48
